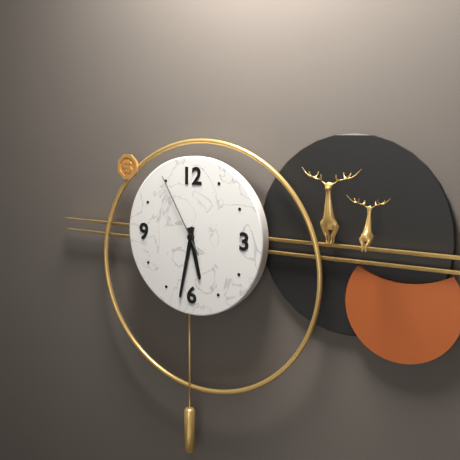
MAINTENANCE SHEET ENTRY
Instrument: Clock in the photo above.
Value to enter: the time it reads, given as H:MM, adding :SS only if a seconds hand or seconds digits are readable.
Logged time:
5:32:55
